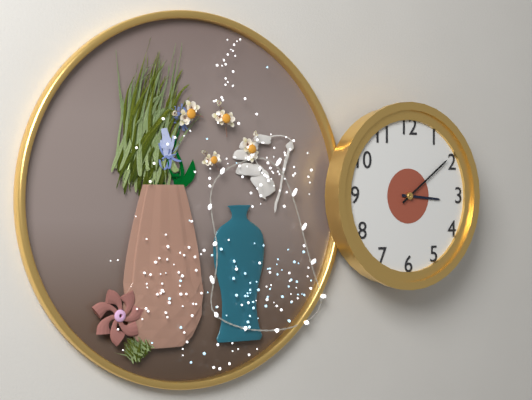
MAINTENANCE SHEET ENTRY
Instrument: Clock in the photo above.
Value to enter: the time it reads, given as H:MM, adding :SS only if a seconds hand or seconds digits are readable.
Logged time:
3:09
